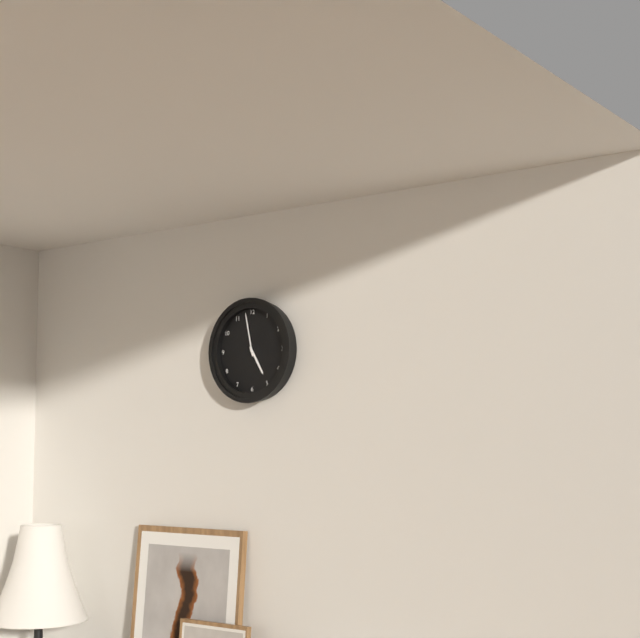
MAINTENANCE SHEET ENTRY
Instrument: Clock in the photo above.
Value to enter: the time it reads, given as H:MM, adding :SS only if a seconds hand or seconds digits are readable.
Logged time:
4:58
